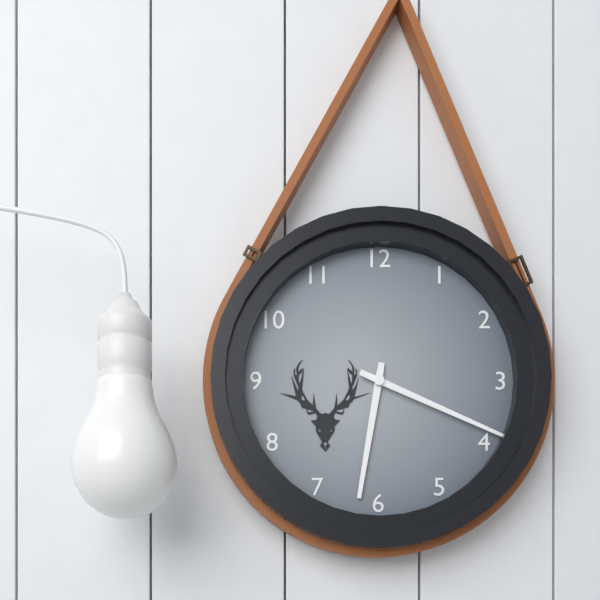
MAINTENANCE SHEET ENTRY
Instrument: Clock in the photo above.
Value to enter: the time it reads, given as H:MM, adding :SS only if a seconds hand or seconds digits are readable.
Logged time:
6:19
